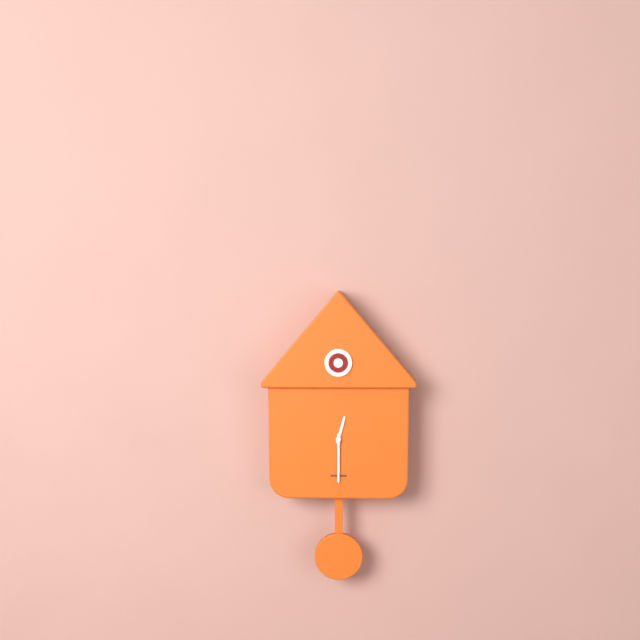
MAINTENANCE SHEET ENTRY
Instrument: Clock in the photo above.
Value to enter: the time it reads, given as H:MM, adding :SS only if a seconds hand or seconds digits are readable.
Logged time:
12:30
